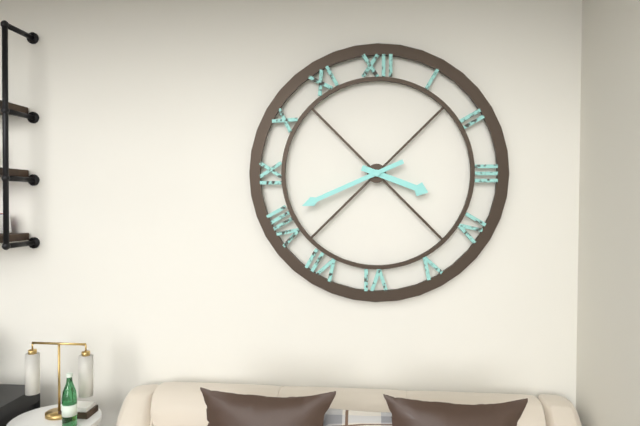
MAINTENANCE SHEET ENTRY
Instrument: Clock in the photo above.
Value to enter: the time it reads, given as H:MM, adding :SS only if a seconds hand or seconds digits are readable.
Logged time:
3:41
